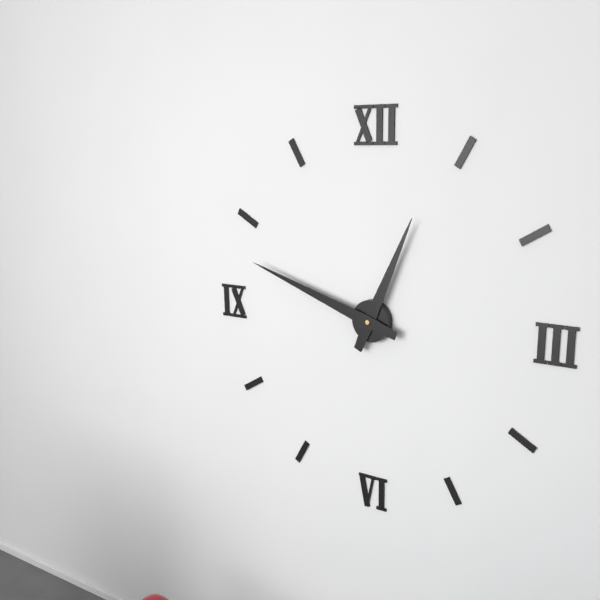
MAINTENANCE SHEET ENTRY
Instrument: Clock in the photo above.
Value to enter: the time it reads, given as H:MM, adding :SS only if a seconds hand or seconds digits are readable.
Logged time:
12:48
